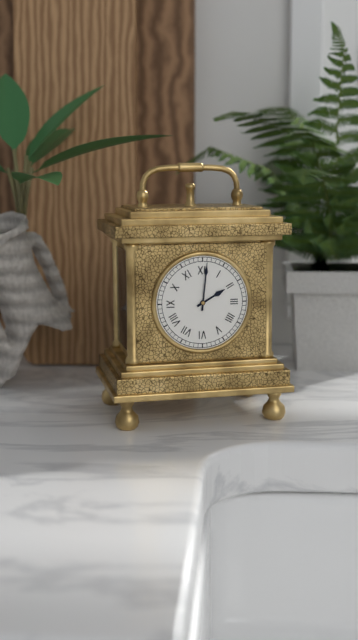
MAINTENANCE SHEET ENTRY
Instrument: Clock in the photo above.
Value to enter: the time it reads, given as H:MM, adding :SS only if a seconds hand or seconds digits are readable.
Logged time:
2:01
